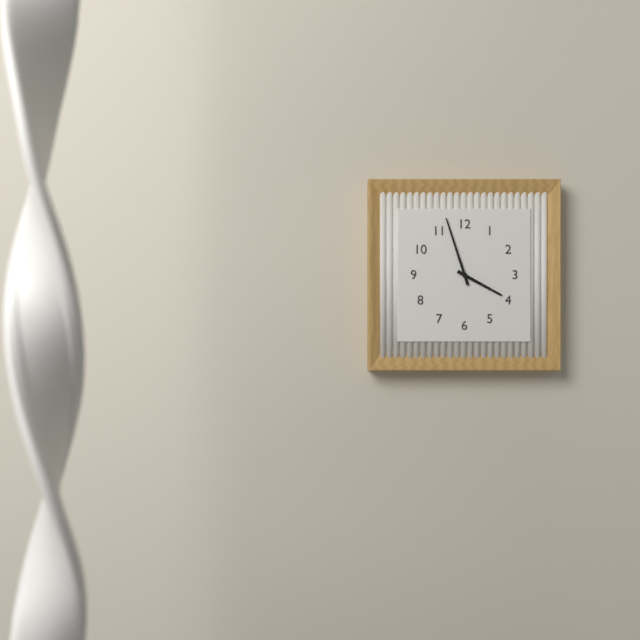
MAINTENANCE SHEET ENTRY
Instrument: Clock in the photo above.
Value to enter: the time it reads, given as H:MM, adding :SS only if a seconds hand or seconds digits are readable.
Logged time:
3:57
